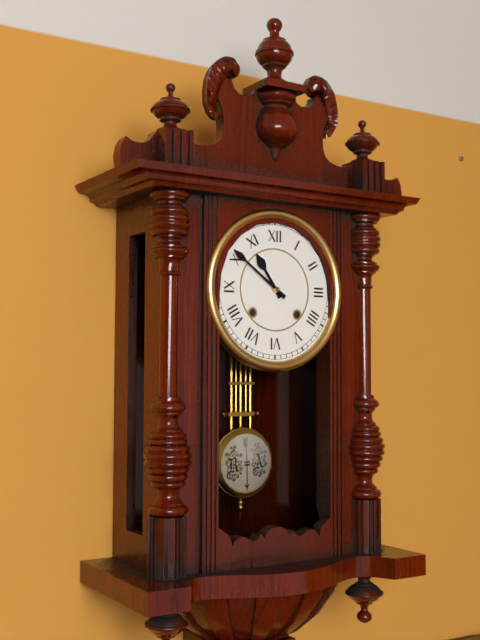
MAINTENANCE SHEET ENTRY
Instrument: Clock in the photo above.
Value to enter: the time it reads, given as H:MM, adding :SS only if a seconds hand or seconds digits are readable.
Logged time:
10:51
